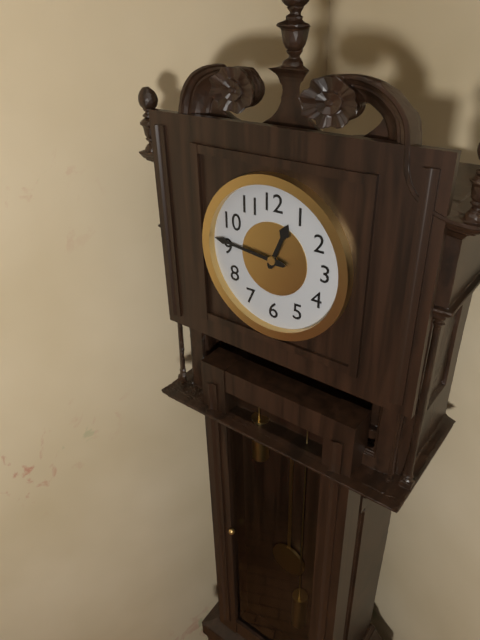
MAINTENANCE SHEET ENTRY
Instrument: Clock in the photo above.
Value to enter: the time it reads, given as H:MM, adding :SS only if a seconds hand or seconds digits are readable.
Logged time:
12:46
